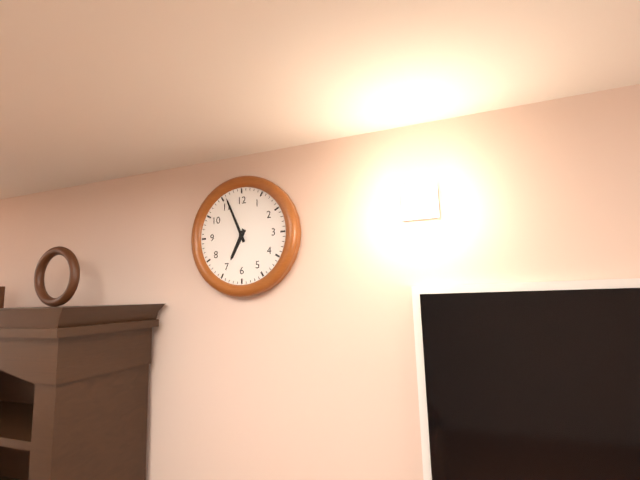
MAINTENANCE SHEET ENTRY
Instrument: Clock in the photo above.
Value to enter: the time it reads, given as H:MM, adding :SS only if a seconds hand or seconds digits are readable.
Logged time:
6:56
